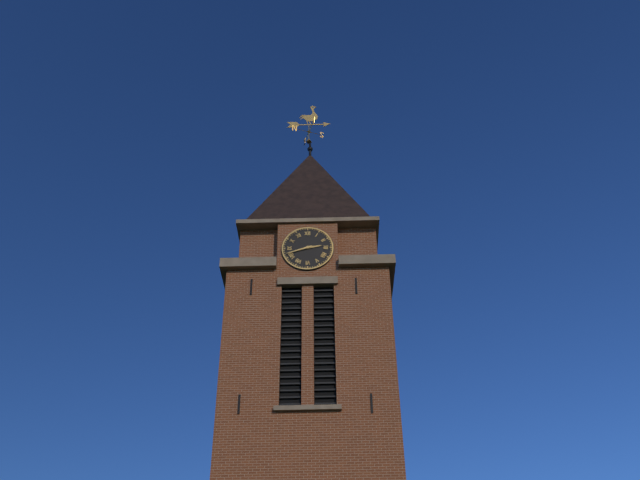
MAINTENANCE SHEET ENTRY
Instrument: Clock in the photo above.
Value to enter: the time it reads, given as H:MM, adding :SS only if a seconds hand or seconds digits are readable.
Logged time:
2:42
